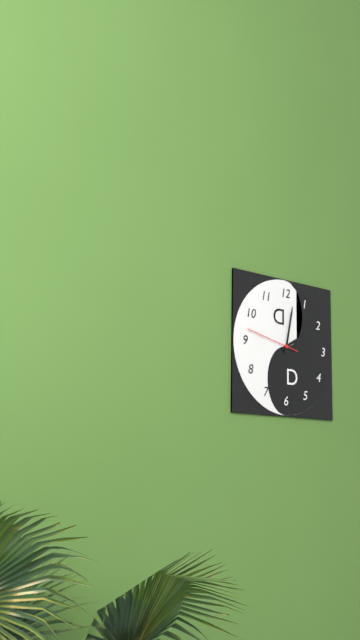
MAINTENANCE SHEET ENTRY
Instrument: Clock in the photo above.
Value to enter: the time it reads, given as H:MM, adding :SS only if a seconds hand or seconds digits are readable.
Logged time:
2:02:47
